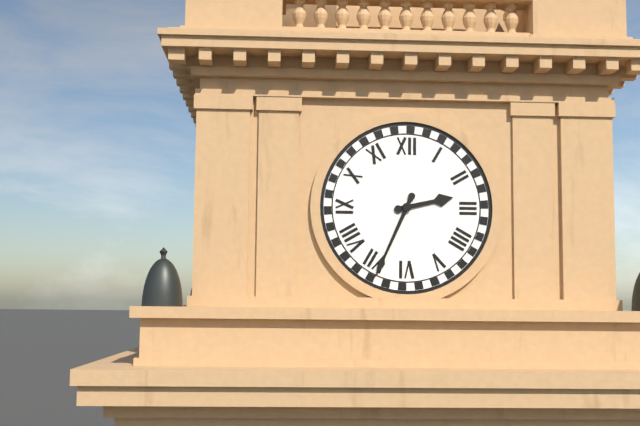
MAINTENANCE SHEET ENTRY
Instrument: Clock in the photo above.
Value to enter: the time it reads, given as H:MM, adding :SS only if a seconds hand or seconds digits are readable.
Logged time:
2:34
